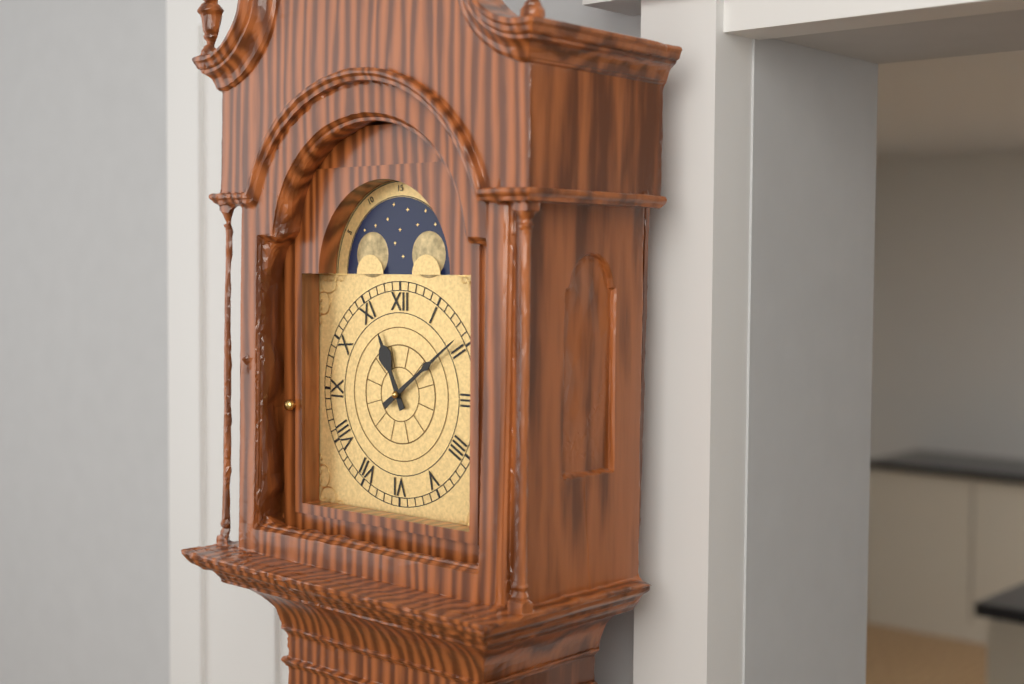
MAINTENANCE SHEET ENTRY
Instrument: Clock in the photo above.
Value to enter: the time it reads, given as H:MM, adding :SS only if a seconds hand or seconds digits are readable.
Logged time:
11:09
